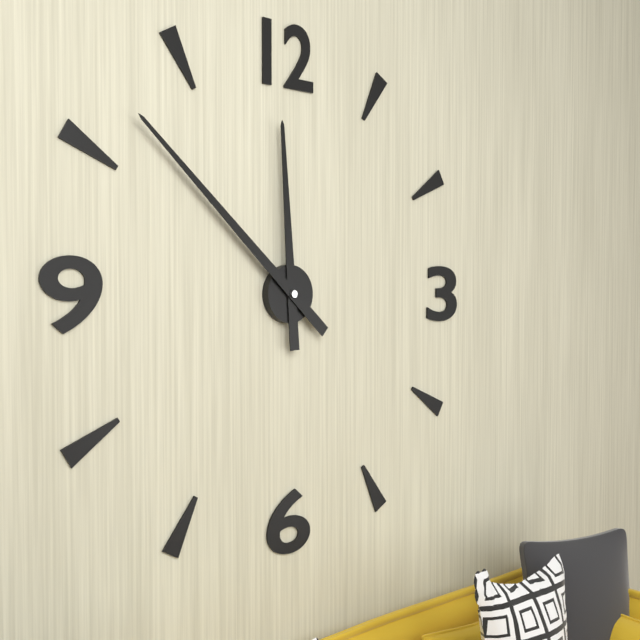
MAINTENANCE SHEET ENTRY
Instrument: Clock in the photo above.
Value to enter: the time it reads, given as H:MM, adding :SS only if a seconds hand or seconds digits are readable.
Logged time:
11:52
